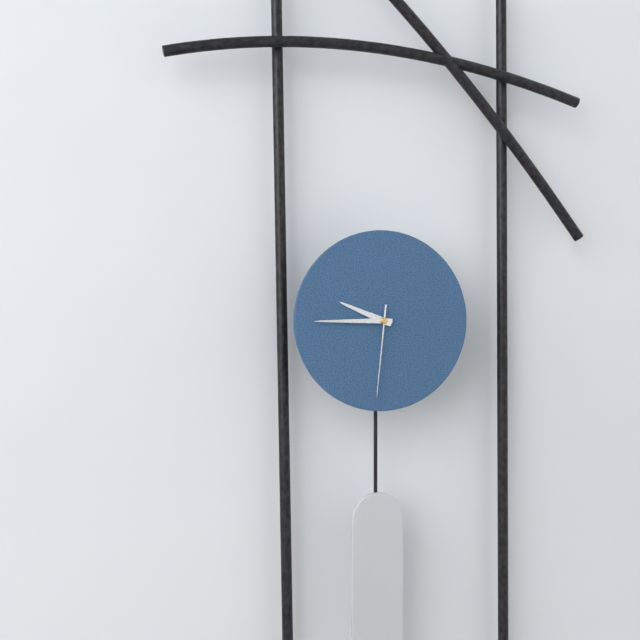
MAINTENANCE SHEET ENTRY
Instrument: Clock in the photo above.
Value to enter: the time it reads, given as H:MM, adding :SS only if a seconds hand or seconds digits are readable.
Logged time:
9:45:31
